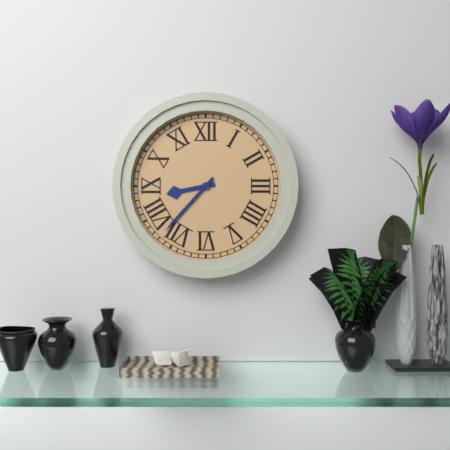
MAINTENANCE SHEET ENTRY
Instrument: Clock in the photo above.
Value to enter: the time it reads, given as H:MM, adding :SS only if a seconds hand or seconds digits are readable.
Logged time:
8:37
